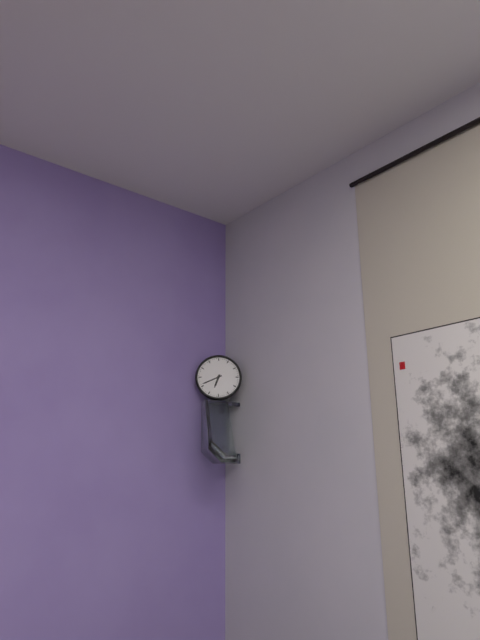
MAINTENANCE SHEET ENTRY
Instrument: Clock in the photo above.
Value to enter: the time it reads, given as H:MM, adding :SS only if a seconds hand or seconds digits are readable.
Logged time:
6:41
